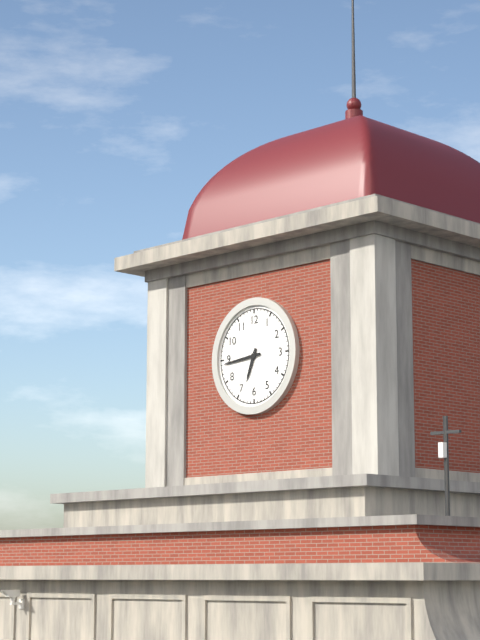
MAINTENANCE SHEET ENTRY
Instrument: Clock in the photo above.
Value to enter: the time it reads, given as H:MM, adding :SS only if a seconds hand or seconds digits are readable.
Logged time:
6:44
